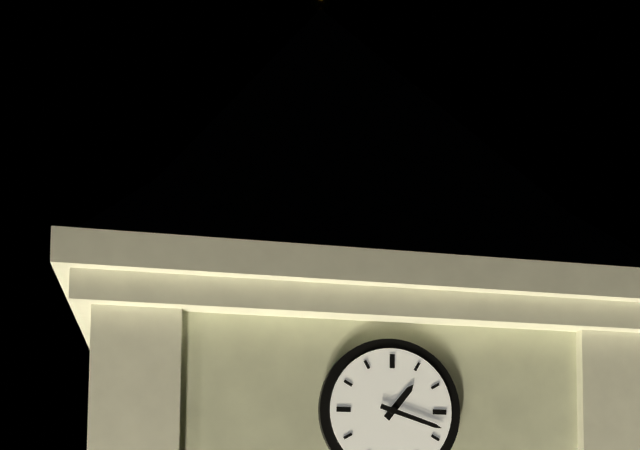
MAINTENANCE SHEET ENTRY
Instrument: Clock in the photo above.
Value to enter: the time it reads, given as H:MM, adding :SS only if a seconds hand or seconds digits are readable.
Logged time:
1:18
